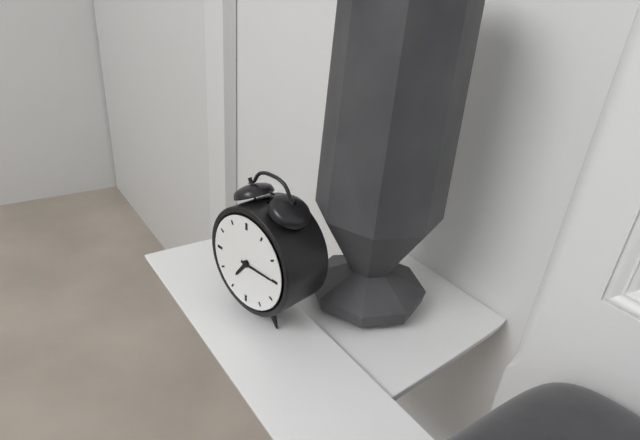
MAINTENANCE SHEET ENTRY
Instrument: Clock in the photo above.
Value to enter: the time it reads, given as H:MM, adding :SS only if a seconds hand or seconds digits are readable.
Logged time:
7:15
